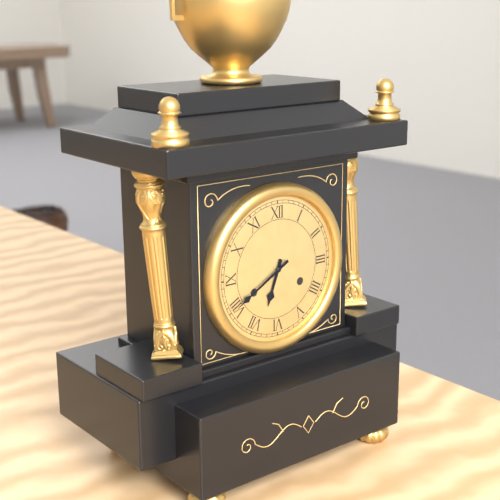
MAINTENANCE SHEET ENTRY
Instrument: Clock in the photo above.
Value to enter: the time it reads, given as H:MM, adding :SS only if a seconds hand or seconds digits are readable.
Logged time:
6:40
